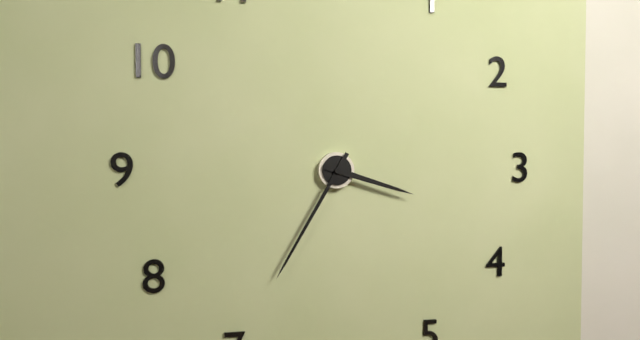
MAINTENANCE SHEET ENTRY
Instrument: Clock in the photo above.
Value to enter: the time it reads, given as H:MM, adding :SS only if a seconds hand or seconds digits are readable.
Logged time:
3:35
